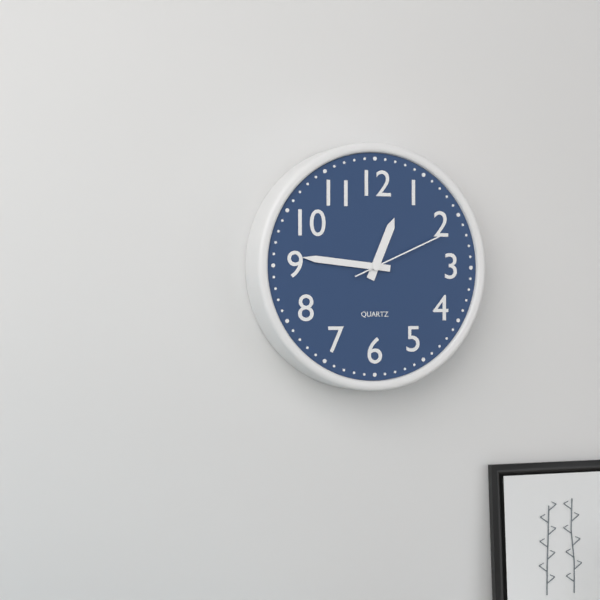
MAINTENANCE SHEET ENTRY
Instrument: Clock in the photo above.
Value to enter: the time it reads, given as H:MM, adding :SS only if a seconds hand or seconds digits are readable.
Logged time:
12:46:11
